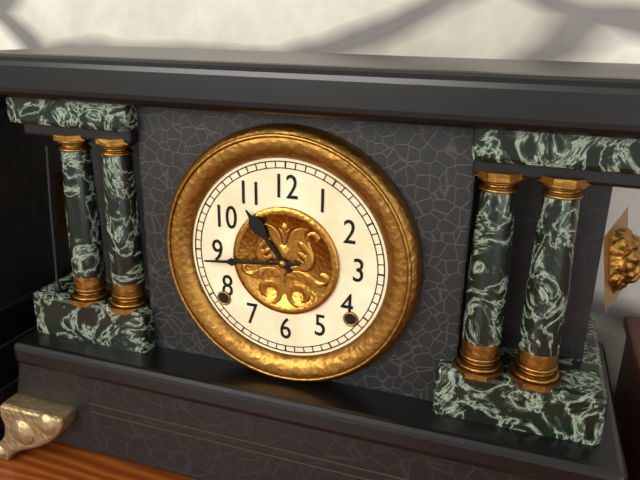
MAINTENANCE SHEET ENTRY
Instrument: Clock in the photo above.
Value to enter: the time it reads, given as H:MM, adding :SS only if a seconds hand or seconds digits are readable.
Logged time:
10:44
